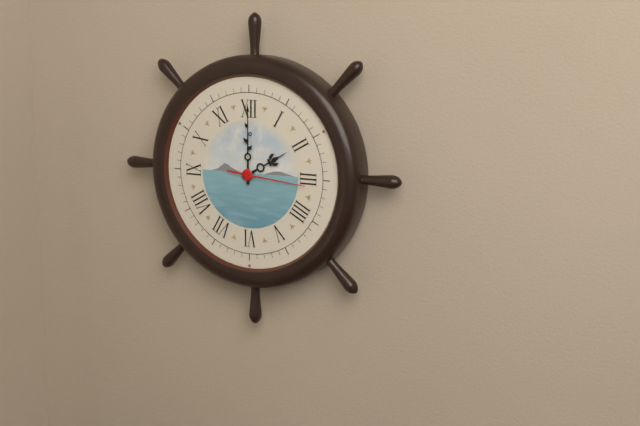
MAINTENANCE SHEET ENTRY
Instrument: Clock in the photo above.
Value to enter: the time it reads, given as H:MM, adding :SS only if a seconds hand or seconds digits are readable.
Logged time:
2:00:16
